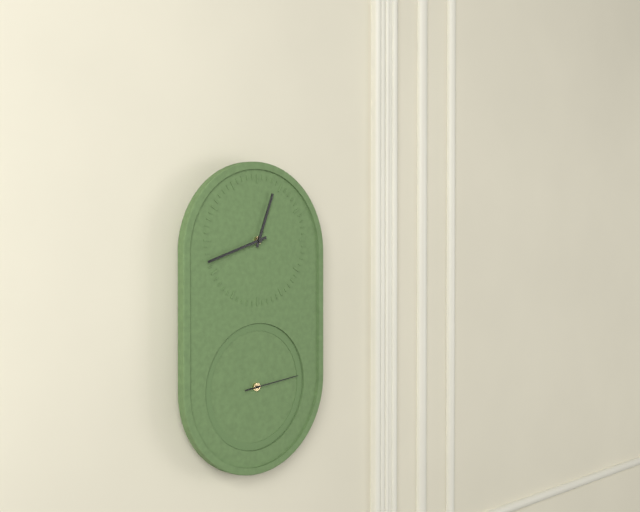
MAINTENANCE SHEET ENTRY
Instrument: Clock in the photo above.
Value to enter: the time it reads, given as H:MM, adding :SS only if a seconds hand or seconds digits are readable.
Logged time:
12:42:14
